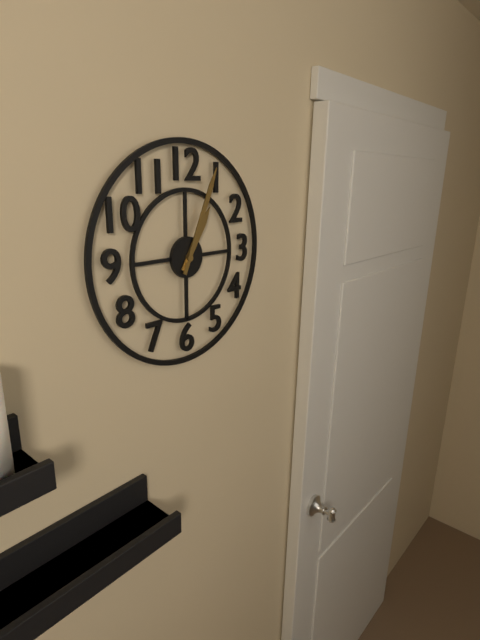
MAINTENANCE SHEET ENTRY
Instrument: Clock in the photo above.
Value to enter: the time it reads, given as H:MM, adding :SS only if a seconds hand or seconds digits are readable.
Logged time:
1:04
